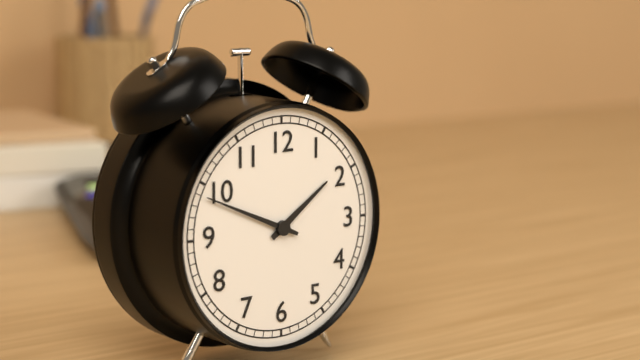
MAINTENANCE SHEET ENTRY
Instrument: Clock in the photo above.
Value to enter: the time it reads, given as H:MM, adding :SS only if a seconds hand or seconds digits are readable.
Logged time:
1:49
